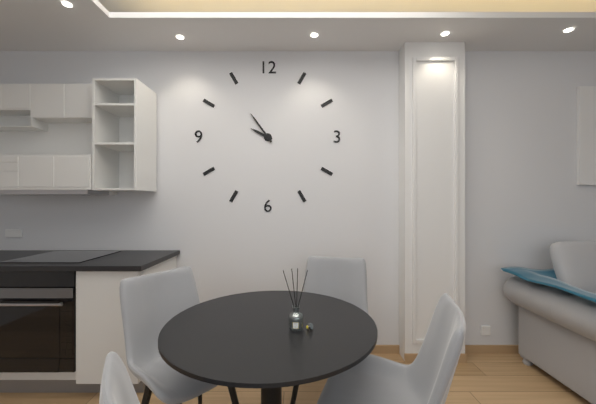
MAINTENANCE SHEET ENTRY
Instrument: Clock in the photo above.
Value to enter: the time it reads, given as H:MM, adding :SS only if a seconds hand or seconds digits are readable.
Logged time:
9:54
